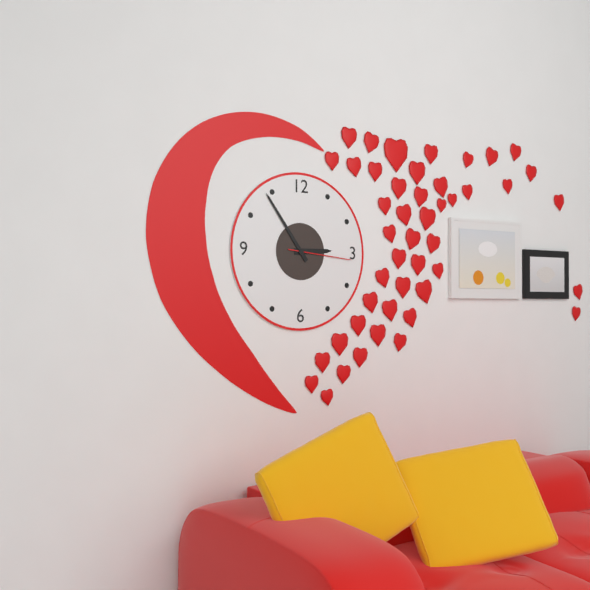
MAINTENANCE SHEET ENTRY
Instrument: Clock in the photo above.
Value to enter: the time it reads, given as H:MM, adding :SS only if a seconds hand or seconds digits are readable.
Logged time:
2:54:16
